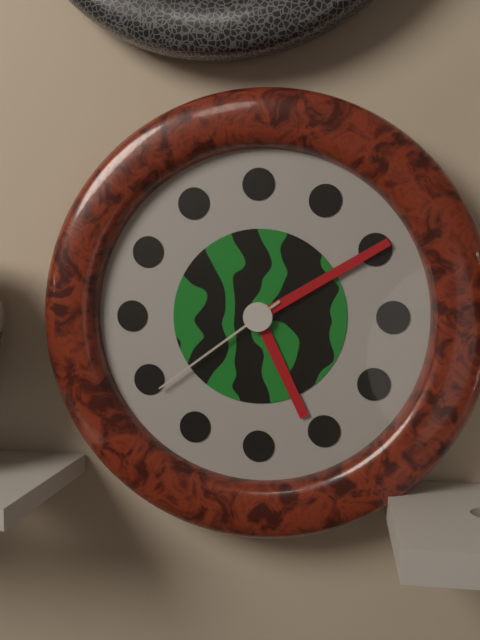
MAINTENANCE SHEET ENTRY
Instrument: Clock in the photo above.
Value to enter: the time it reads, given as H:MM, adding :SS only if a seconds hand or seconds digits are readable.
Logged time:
5:10:39
